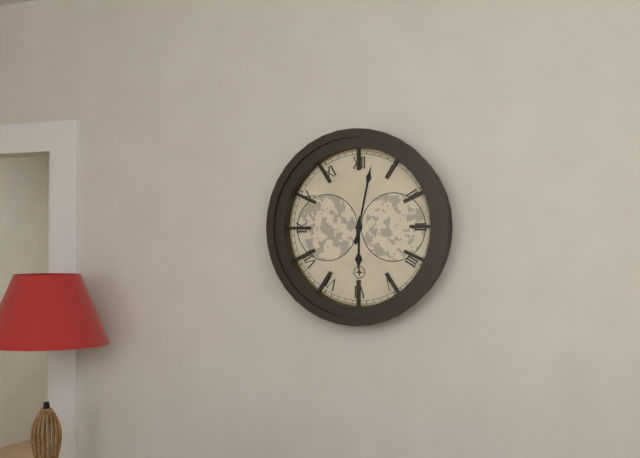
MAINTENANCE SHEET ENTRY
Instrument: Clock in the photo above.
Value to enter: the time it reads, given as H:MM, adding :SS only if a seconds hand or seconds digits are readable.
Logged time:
6:02
